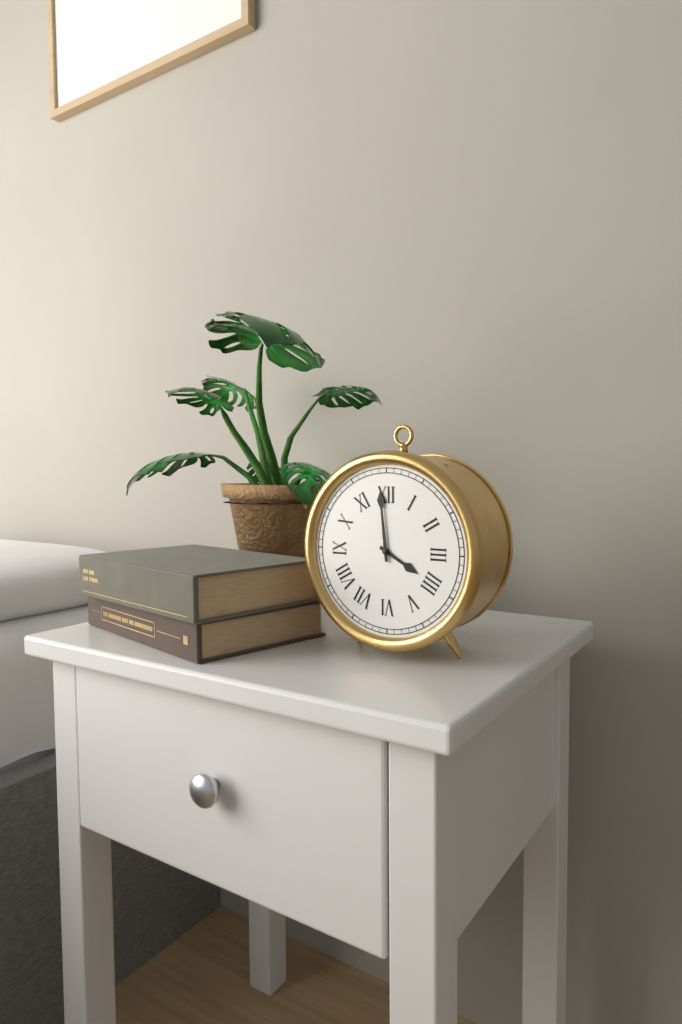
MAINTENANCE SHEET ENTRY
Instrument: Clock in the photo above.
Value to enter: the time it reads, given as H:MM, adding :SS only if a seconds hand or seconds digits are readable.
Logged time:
3:59
